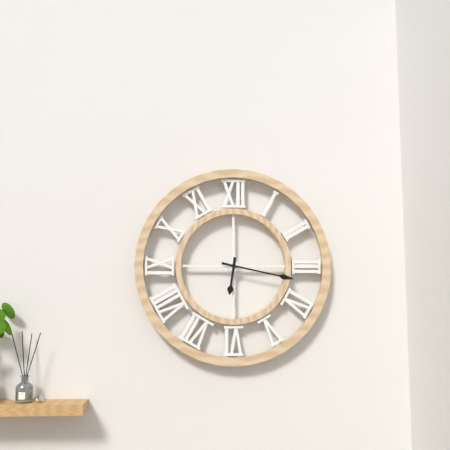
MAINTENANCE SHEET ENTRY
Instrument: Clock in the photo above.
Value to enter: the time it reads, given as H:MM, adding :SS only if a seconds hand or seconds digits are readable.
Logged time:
6:17
